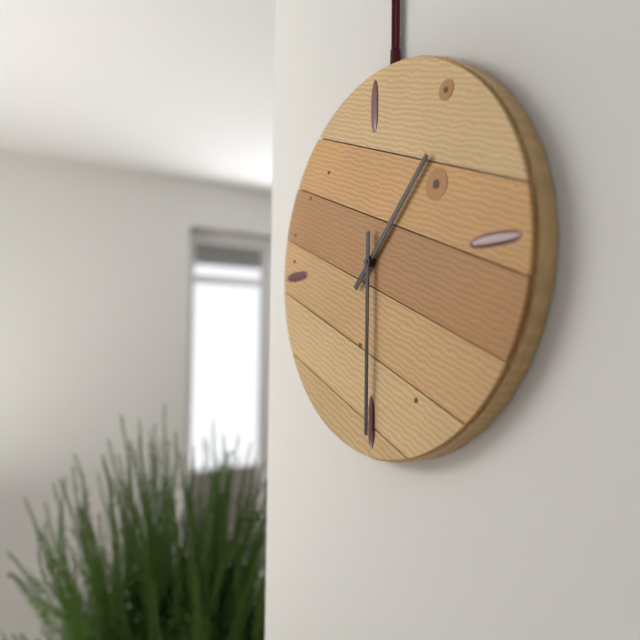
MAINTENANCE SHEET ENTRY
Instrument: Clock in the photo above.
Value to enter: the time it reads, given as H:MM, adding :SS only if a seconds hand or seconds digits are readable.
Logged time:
1:30
